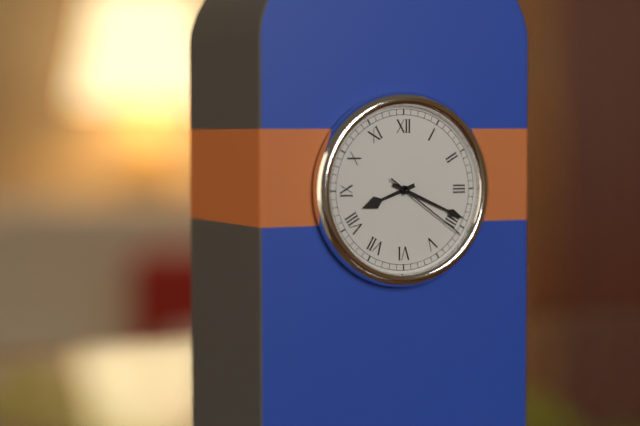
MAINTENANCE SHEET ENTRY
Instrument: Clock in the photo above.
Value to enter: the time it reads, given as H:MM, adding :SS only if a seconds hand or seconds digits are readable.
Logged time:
8:19:21
